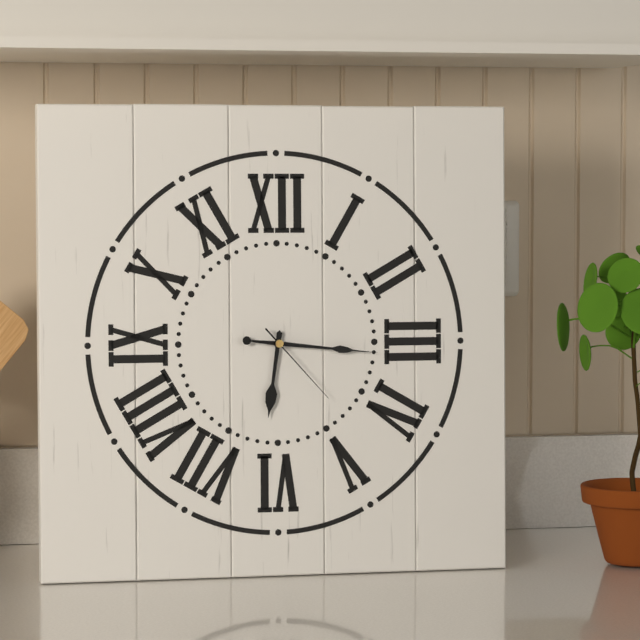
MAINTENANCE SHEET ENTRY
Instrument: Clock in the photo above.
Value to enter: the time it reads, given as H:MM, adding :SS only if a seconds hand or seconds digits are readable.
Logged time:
6:16:23
